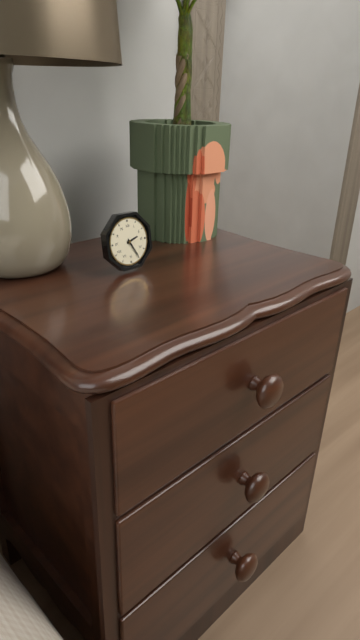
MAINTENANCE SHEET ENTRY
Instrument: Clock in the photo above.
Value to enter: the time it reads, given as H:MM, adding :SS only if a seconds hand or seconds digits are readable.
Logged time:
2:25
